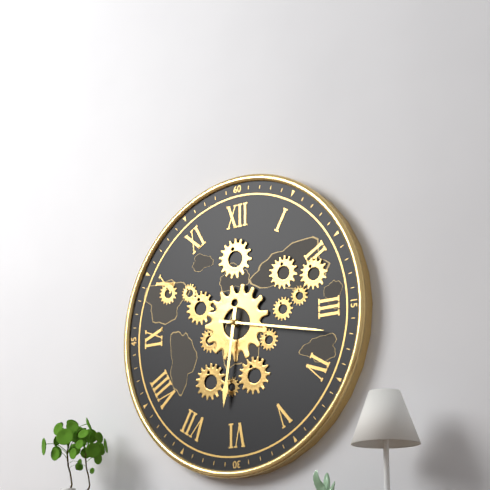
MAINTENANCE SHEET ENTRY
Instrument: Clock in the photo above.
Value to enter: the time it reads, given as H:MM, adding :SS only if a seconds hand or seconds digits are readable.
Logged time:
6:17
